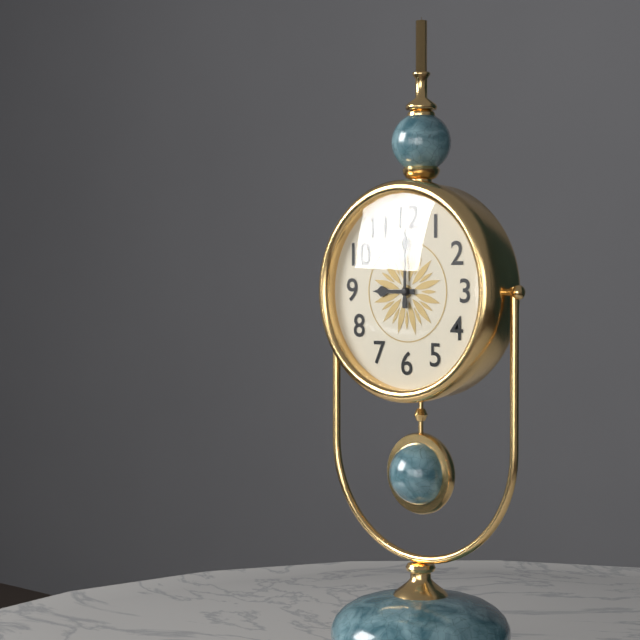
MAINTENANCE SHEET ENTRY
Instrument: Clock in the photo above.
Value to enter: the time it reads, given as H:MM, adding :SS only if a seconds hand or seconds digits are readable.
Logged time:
9:00
